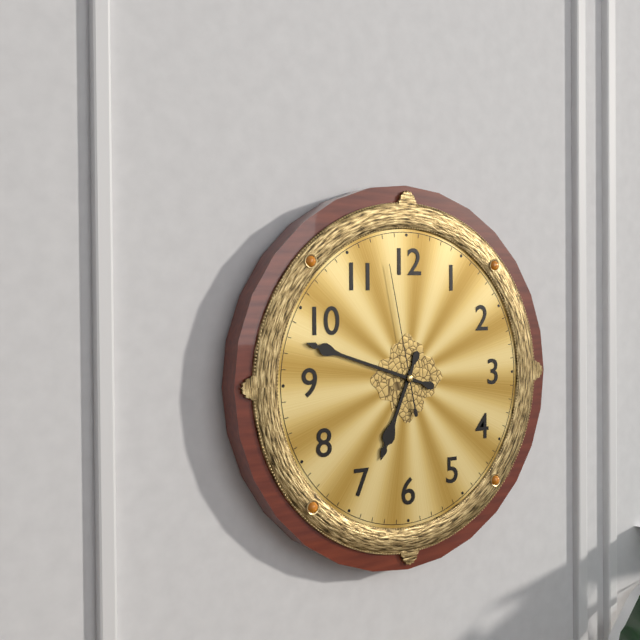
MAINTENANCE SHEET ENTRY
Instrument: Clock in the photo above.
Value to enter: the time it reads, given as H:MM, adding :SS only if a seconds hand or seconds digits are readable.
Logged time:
6:48:58
